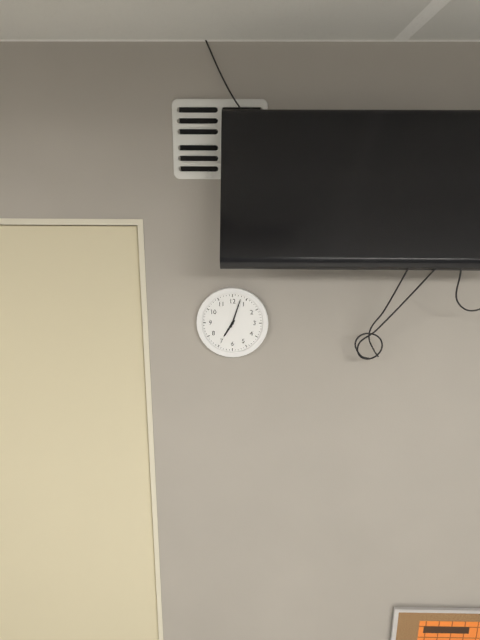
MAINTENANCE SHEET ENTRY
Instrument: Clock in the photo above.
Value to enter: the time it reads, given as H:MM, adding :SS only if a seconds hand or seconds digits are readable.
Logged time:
7:03
